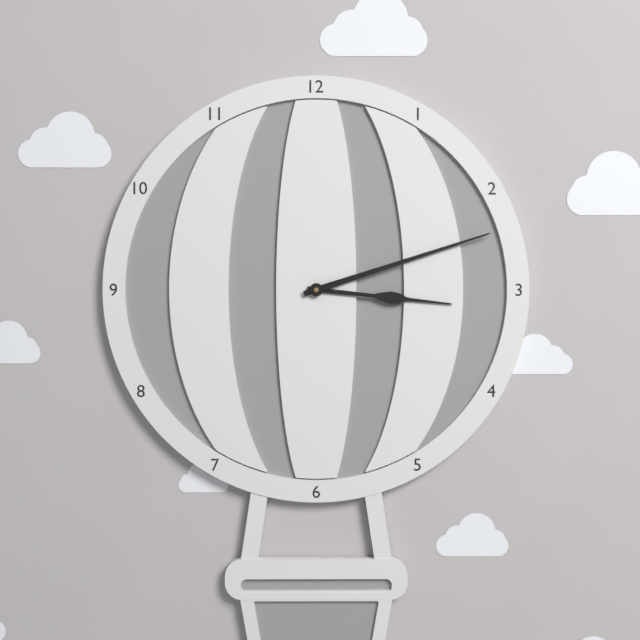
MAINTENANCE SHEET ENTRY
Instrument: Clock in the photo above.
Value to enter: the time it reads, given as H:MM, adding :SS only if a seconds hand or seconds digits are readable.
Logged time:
3:12
